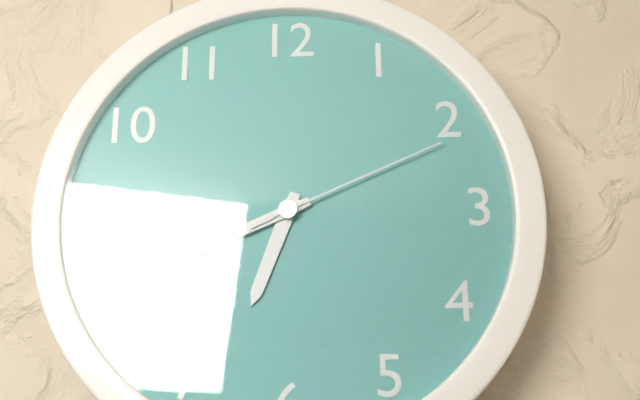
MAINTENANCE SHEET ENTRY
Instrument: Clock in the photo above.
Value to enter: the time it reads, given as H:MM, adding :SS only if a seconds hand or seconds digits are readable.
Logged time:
6:41:11
